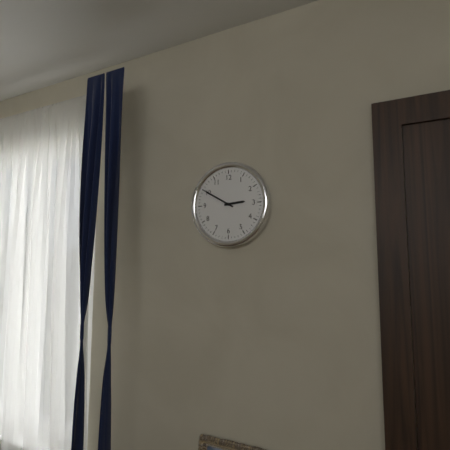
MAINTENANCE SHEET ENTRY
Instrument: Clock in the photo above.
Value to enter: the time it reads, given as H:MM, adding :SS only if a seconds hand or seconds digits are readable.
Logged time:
2:50
